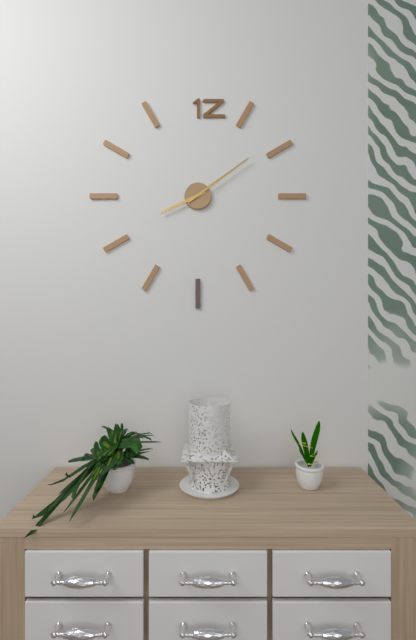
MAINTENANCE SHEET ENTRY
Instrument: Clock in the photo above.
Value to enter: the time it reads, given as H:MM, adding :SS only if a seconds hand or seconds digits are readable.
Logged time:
8:09
